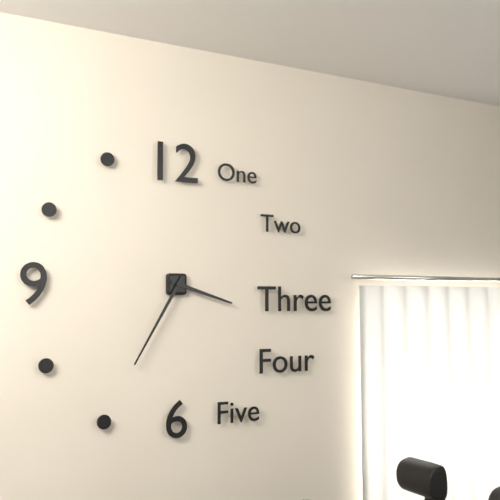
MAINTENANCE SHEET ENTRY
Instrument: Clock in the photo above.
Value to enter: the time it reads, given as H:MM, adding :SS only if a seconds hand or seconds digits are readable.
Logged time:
3:35
